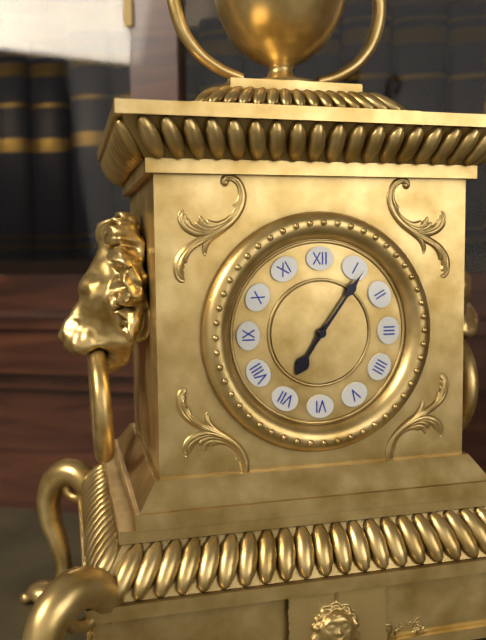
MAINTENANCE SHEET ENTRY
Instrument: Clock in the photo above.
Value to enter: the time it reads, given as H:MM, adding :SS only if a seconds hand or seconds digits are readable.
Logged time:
7:06
